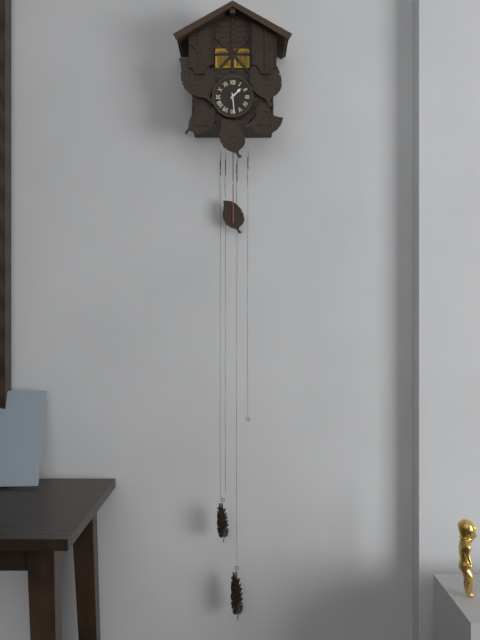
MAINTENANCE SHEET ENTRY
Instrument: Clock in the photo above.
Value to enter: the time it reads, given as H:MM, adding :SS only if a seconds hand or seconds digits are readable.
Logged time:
1:29
